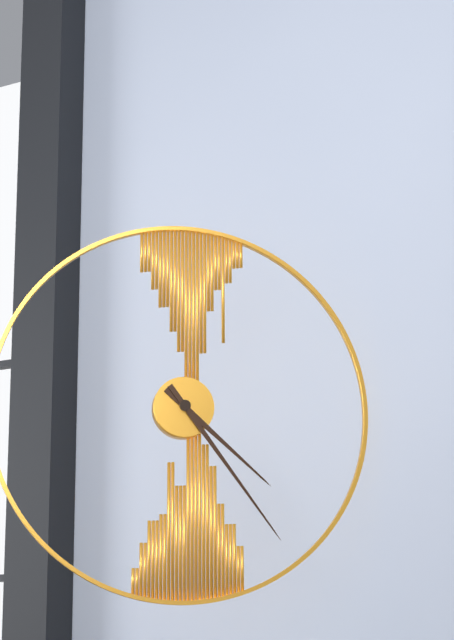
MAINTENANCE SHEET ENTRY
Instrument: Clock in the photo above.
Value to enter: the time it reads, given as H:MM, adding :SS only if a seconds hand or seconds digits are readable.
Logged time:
4:24
